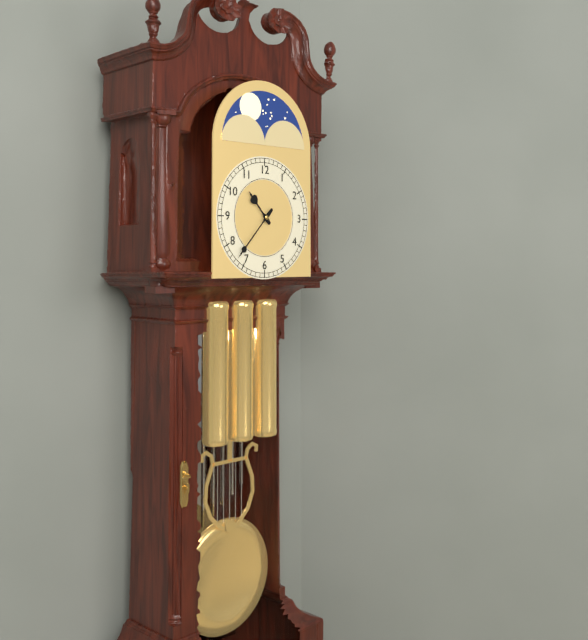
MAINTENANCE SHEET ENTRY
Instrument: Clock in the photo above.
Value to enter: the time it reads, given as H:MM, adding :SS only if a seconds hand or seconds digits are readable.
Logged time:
10:37
